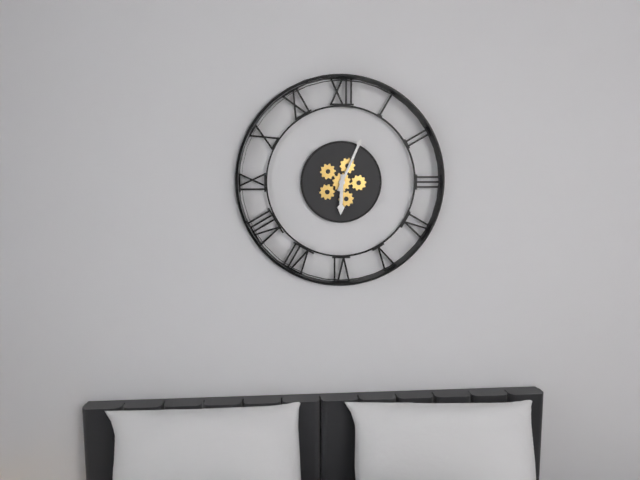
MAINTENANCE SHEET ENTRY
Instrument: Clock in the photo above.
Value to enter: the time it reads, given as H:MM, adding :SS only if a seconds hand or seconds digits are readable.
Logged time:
6:04
